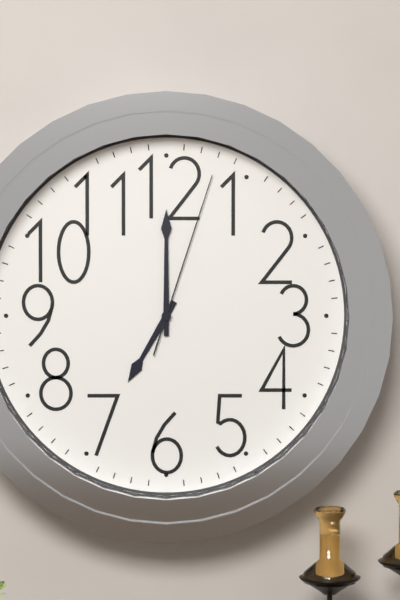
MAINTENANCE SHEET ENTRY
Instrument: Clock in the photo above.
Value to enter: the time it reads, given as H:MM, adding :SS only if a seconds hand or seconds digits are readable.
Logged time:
7:00:03
